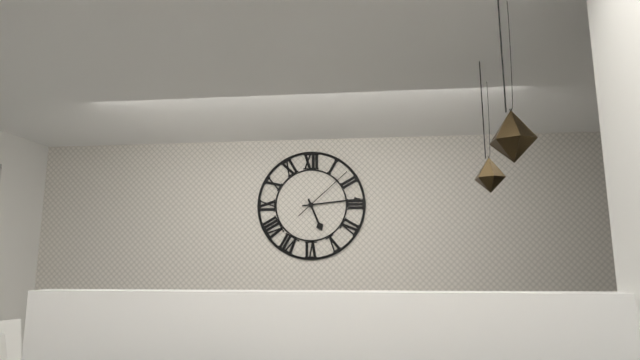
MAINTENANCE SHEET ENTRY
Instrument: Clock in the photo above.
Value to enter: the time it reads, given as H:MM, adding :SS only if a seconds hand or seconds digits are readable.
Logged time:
5:14:08
